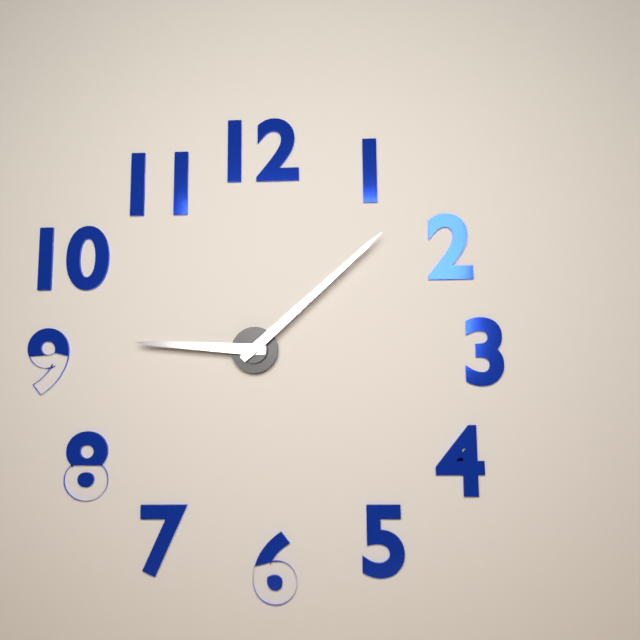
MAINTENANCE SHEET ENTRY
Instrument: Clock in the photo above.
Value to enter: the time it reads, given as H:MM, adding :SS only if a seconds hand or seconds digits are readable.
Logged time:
9:08
